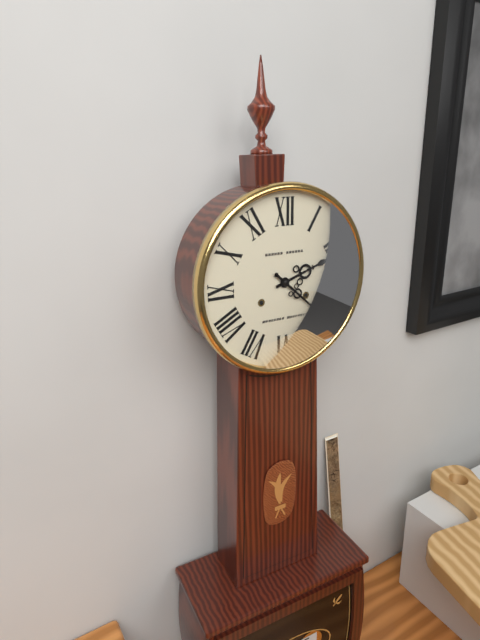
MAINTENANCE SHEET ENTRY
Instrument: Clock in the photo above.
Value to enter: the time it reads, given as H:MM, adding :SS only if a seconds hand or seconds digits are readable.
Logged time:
2:22
